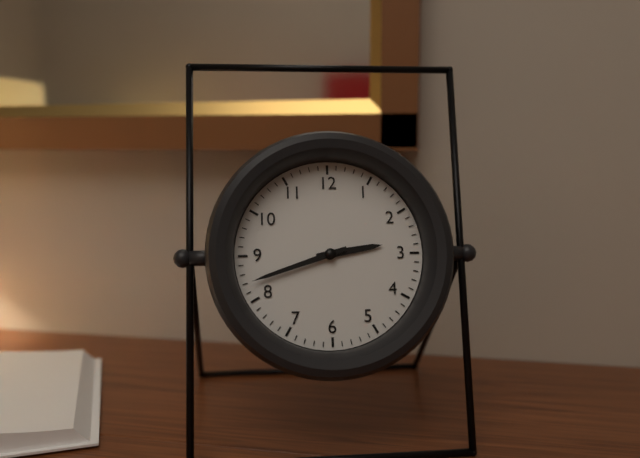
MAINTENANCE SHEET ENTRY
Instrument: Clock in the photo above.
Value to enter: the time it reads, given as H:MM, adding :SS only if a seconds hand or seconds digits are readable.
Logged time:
2:42
